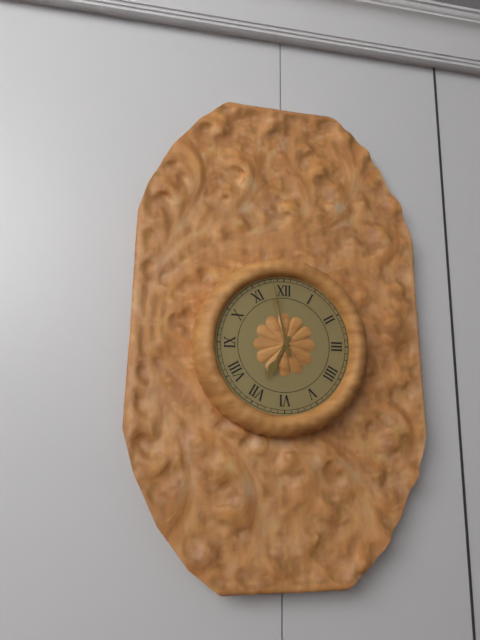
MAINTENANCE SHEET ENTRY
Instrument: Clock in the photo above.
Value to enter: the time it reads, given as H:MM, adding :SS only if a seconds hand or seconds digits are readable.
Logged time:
6:58
